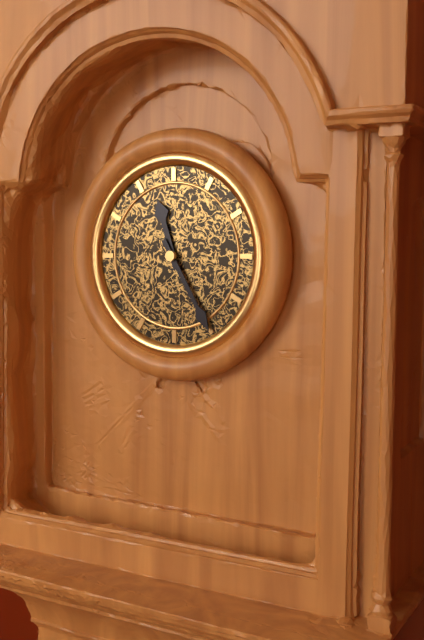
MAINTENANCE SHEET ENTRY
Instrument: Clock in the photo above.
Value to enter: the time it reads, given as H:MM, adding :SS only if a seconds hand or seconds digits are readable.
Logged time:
11:25
